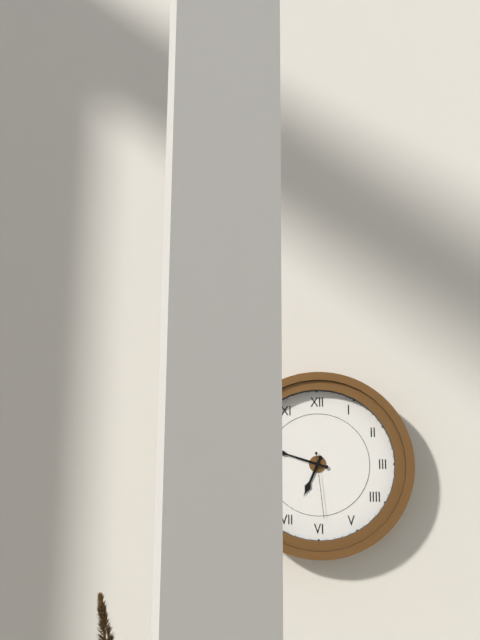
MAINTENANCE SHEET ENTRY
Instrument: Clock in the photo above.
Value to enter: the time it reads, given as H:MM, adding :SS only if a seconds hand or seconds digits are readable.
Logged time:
6:48:29
